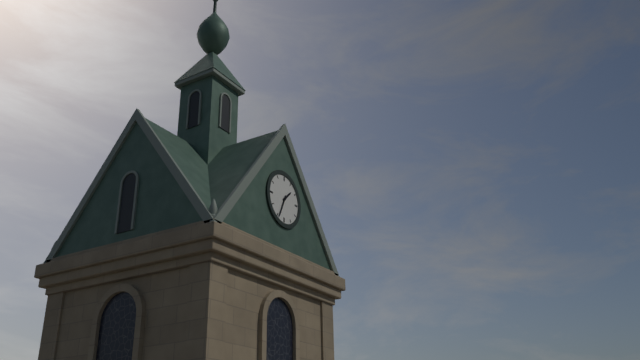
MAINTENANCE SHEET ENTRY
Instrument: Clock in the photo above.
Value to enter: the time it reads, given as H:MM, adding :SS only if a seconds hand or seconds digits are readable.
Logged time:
1:34
